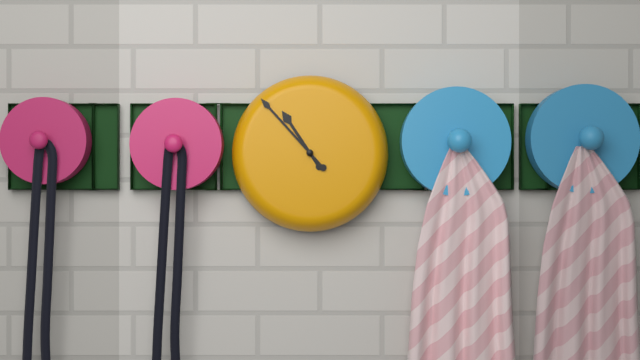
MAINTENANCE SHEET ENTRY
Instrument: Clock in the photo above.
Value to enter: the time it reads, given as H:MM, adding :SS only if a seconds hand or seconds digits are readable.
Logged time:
10:53
